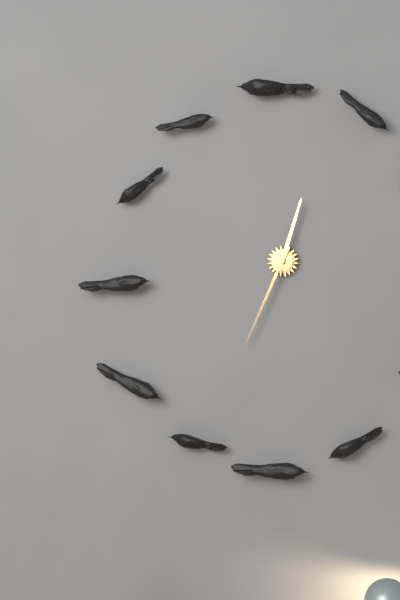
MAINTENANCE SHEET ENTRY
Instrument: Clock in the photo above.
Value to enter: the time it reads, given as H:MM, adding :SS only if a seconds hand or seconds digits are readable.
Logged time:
12:34
